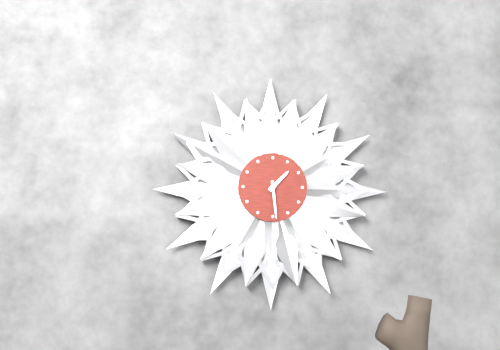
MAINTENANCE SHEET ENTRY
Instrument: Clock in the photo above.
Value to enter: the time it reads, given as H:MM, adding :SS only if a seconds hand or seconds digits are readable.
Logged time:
1:29
